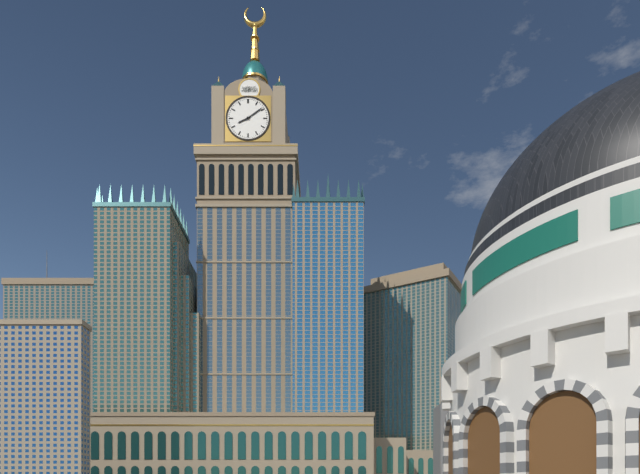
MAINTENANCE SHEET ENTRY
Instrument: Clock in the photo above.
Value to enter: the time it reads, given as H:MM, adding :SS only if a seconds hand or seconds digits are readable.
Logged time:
8:09
